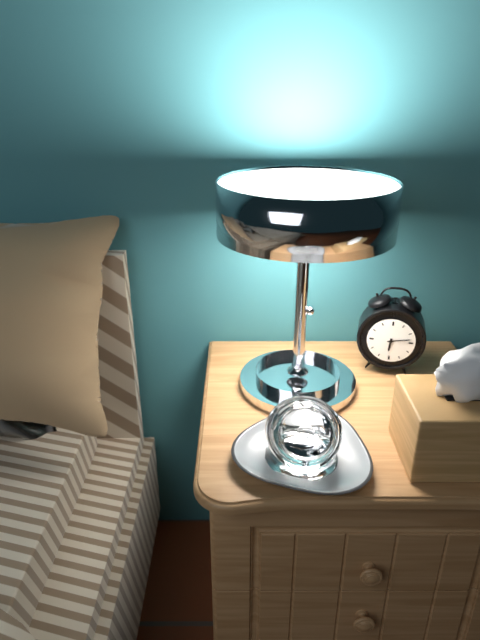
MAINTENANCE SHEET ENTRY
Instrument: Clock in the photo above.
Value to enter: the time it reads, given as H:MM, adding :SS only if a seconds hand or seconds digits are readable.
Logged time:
6:13
